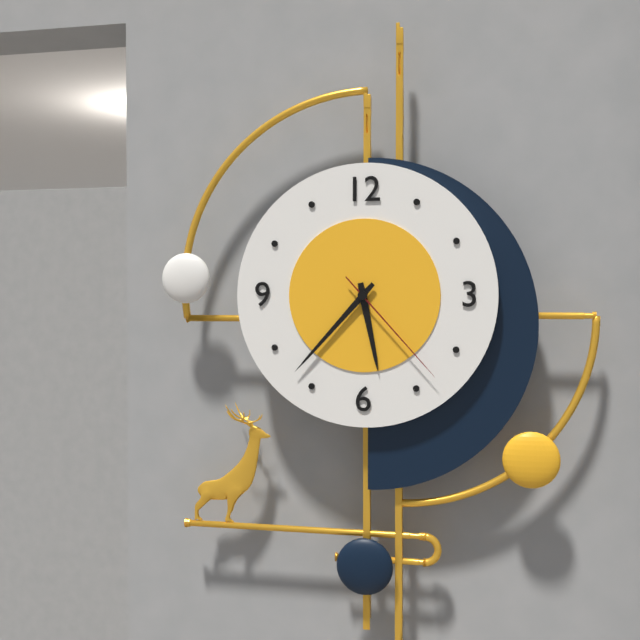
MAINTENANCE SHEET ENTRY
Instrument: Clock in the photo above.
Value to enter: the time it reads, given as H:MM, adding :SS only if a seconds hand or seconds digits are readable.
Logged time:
5:37:23
